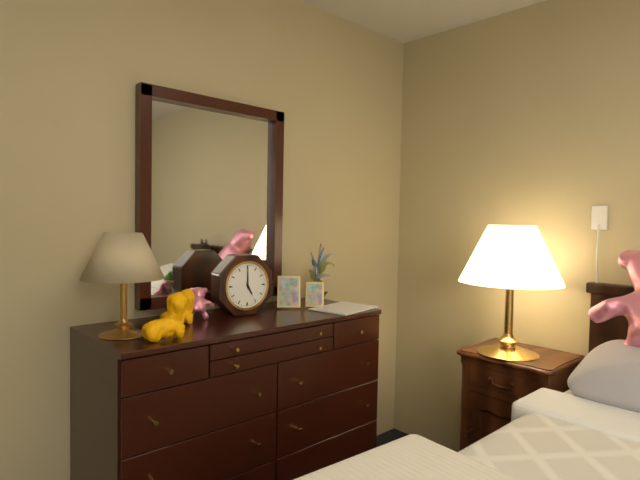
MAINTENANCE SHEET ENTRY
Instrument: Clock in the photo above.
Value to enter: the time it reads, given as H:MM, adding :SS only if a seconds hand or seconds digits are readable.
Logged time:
5:00
